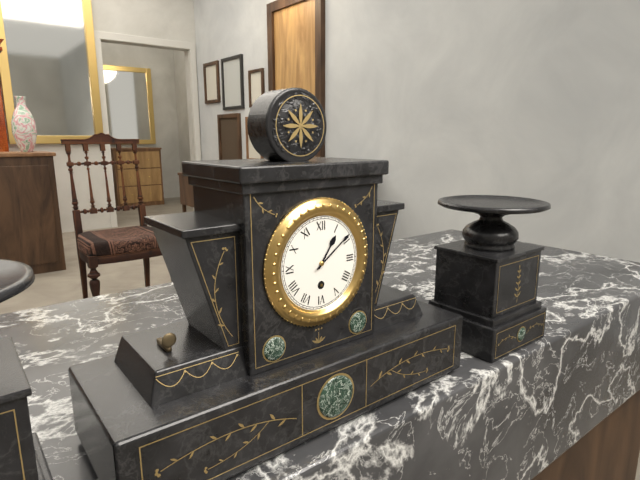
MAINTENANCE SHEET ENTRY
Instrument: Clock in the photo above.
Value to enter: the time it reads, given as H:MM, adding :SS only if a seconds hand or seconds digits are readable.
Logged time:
1:09
